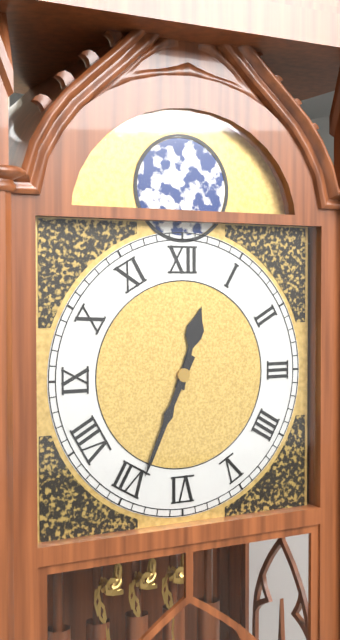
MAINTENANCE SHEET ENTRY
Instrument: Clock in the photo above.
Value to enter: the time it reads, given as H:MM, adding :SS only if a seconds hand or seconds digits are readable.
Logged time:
12:34
